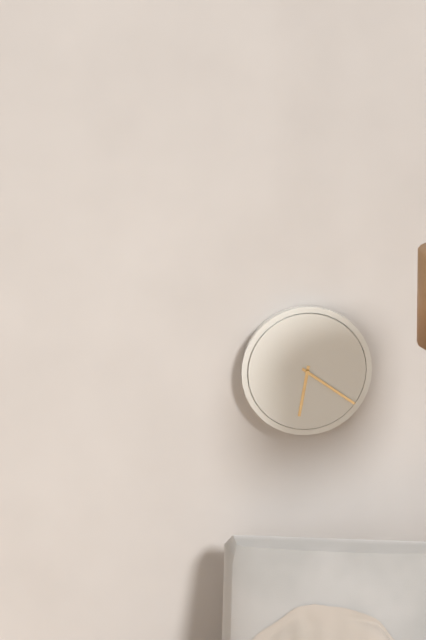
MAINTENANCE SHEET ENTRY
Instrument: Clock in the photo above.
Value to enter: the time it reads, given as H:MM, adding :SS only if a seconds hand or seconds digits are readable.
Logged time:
6:21
